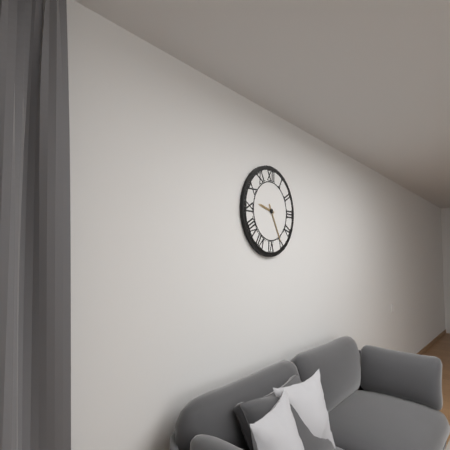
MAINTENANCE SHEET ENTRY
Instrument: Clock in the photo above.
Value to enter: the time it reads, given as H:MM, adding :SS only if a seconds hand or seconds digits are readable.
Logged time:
9:25
